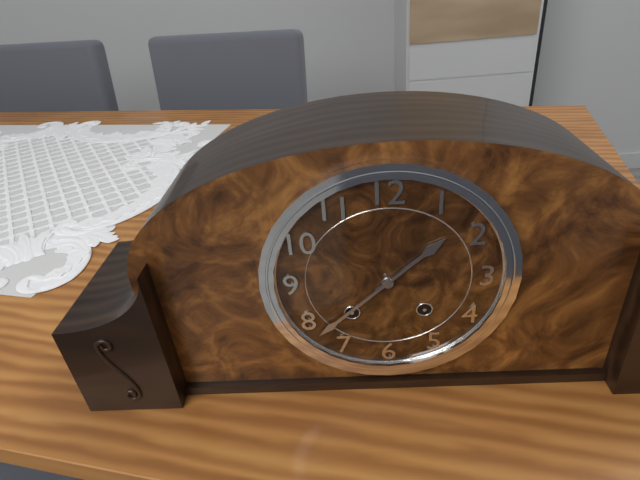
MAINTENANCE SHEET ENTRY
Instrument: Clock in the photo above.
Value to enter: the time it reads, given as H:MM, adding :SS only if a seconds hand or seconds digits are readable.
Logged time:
1:38
